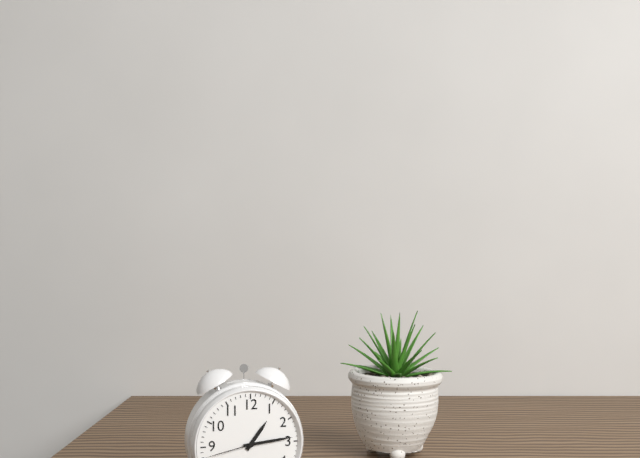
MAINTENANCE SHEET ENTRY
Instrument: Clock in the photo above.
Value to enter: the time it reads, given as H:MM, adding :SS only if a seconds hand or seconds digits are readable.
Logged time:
1:14:43
